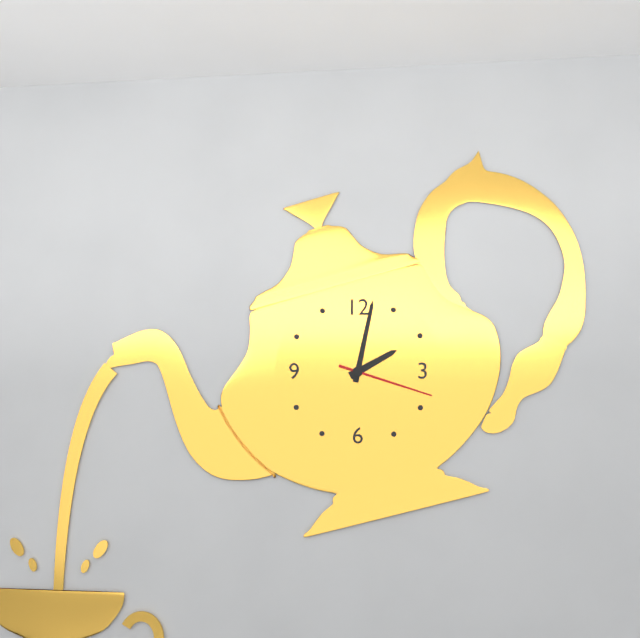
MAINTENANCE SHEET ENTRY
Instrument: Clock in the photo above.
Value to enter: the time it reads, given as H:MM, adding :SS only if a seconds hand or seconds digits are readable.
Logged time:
2:02:18
